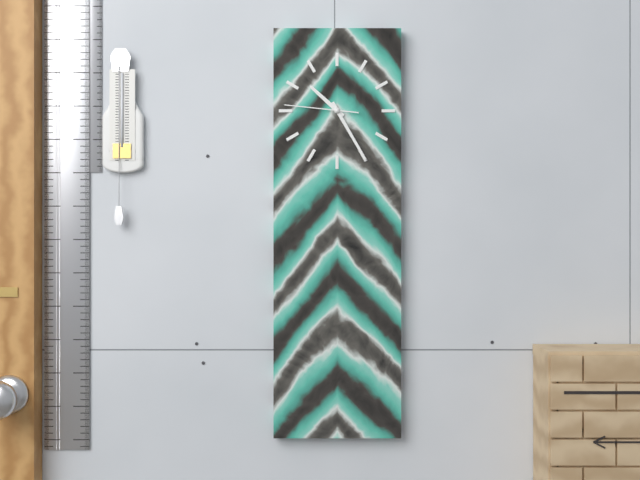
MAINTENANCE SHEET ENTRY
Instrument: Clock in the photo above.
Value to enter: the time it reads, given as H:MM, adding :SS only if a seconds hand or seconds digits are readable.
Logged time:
10:25:46
